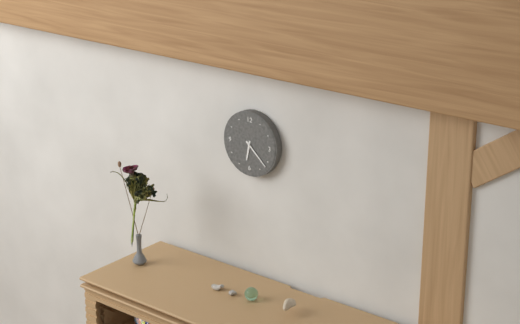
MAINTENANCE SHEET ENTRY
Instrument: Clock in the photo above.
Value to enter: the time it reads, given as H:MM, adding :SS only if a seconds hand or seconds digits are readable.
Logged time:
6:22
